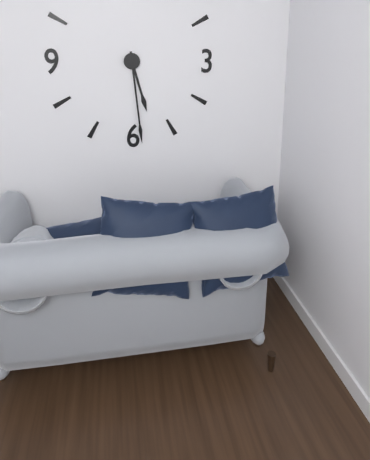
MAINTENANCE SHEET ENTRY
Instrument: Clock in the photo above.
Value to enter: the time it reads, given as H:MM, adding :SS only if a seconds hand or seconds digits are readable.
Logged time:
5:29
